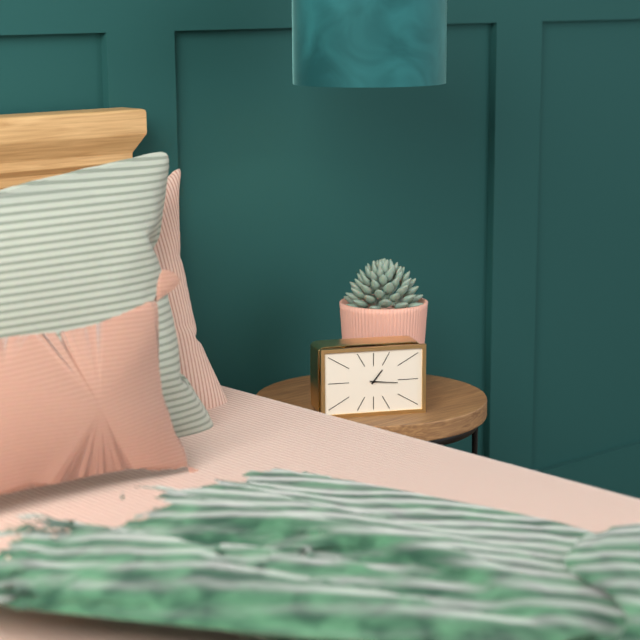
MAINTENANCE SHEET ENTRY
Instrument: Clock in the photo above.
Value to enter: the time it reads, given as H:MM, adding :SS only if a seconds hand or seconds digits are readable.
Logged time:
1:16
